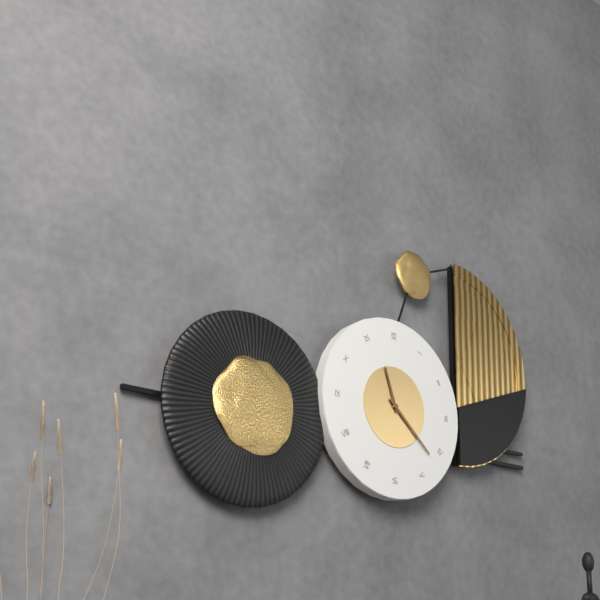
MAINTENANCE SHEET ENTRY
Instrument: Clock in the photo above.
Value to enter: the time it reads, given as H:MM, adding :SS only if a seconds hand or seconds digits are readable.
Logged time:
11:22
